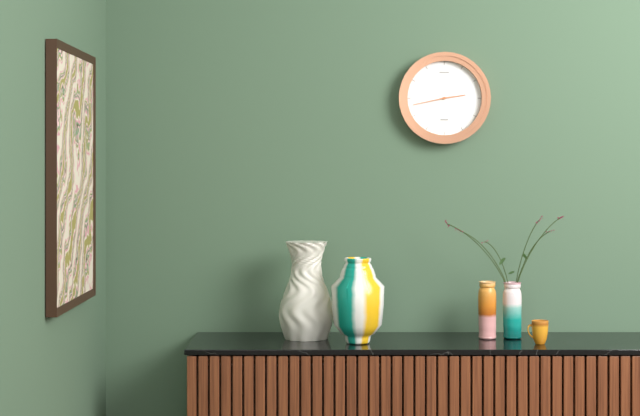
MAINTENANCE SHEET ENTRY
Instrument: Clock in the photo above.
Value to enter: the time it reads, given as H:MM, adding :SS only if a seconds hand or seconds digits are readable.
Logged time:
2:43
